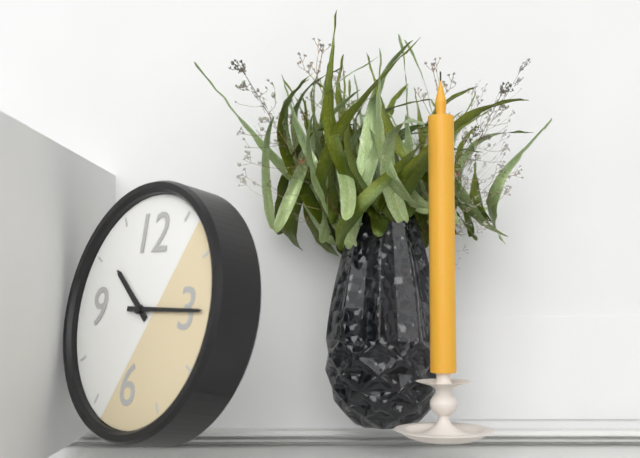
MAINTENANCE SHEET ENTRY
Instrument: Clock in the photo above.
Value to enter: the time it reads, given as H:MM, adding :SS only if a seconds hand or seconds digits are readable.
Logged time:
10:15
